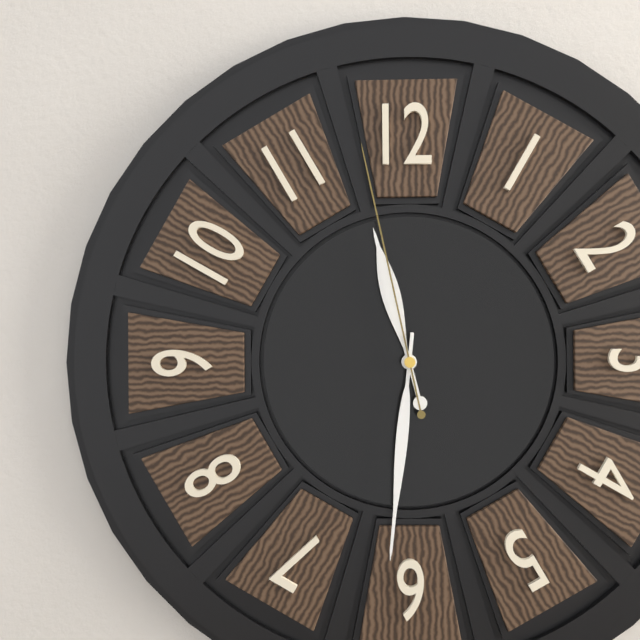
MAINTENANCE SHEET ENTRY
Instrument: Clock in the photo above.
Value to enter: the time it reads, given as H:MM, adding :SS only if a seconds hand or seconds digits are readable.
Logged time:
11:31:58
